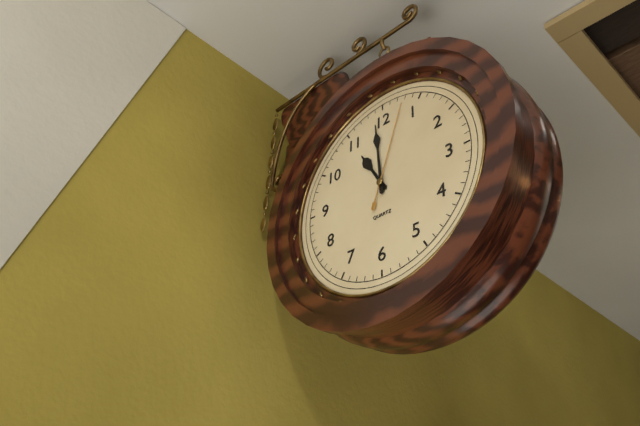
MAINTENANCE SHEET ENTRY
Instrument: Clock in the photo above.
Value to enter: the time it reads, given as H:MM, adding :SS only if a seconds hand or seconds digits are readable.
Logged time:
10:59:03
